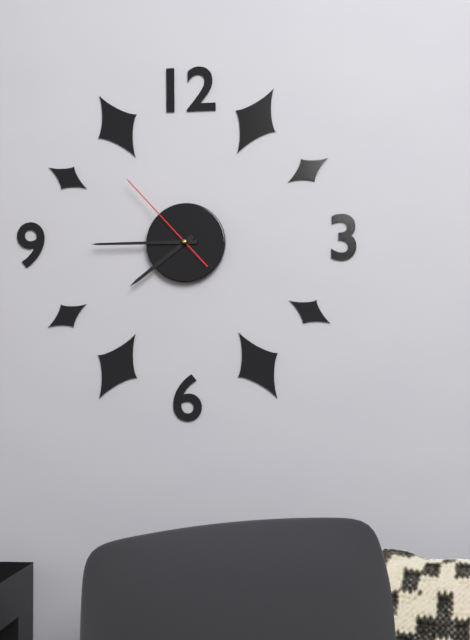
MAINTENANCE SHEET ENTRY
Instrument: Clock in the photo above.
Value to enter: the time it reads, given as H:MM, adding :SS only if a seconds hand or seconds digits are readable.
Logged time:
7:45:53
